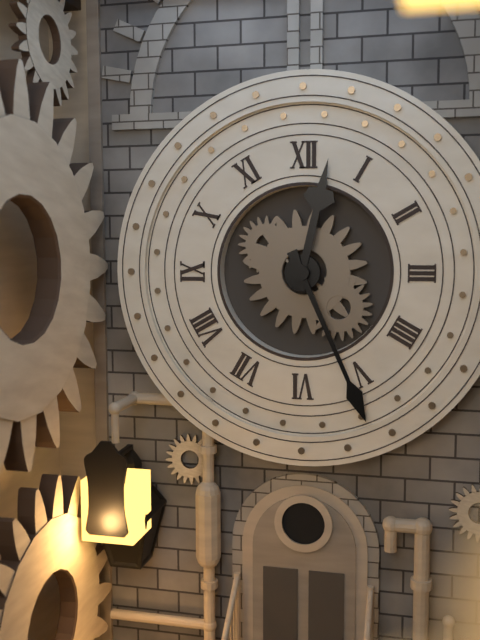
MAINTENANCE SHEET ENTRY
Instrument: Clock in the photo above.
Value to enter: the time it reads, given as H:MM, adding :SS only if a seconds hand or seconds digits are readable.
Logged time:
12:26
